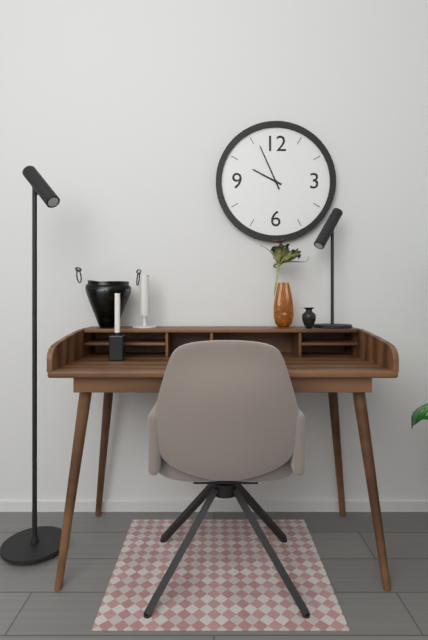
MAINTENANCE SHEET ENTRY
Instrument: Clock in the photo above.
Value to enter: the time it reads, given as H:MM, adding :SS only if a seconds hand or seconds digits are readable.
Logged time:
9:56
